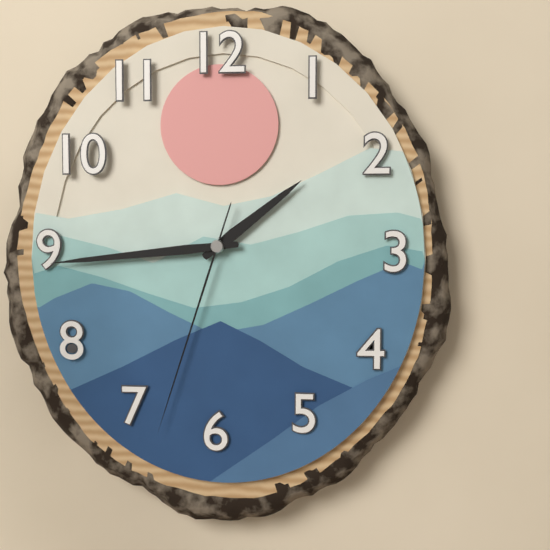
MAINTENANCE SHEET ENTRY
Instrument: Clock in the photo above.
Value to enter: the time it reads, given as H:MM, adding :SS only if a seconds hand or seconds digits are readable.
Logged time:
1:44:33
